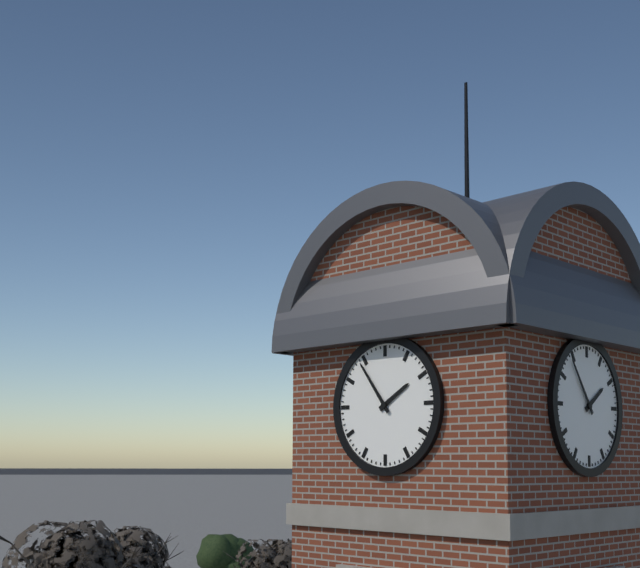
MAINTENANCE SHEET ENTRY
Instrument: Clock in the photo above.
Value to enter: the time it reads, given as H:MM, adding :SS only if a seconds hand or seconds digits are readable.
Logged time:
1:54
